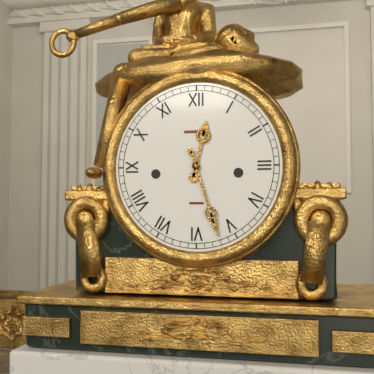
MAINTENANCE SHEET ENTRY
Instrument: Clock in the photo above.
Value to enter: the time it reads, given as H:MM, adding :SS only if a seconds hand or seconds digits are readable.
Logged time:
12:27
